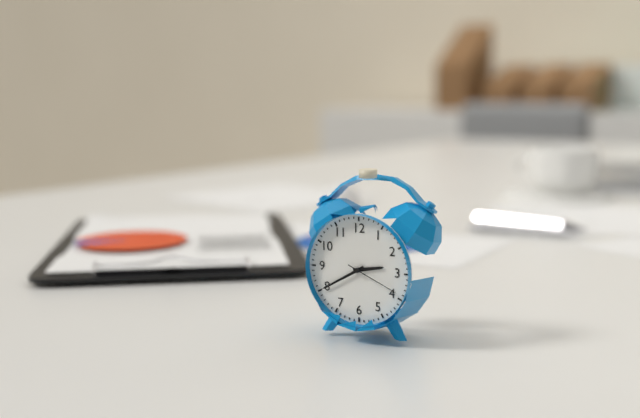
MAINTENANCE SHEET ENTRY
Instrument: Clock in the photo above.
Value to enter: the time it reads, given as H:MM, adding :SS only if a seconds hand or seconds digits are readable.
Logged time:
2:40:19
